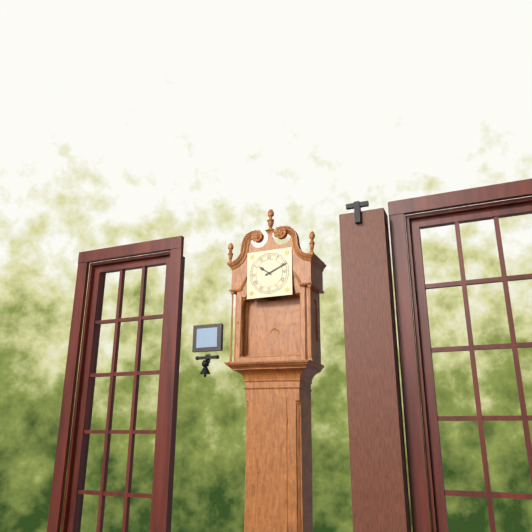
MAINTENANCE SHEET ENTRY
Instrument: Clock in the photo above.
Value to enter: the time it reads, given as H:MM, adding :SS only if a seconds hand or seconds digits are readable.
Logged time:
10:11
